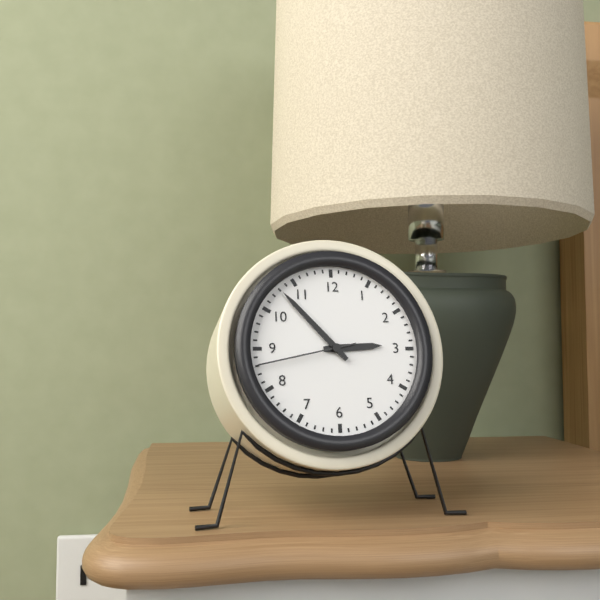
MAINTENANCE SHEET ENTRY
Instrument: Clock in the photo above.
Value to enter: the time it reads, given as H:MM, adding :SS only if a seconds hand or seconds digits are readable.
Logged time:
2:53:43
